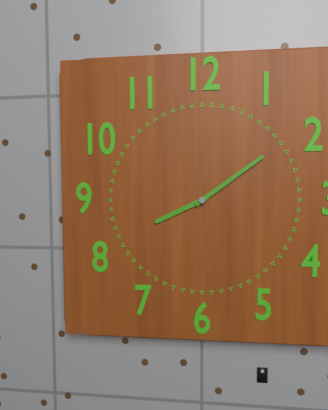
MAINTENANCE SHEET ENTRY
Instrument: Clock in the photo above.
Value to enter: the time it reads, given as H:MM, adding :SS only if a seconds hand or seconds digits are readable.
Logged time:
8:09
